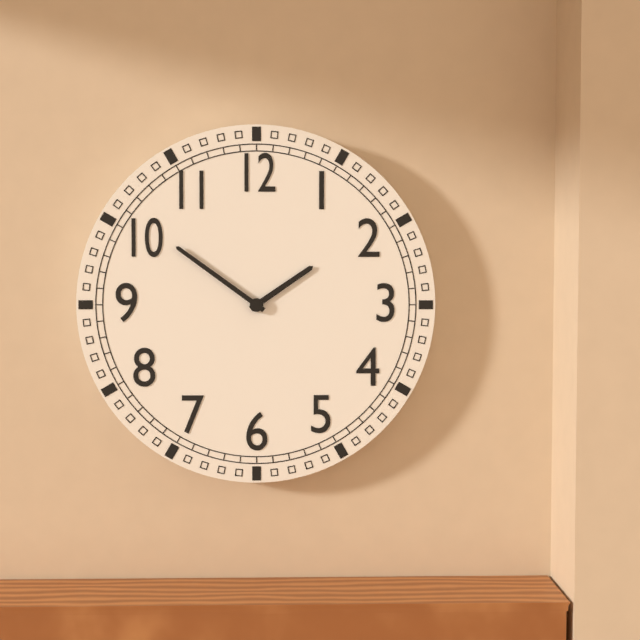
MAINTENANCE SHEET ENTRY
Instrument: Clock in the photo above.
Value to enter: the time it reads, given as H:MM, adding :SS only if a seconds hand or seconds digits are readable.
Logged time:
1:51
